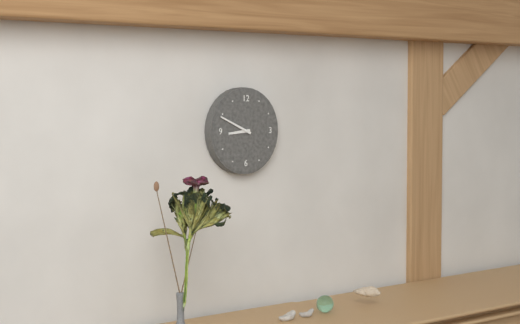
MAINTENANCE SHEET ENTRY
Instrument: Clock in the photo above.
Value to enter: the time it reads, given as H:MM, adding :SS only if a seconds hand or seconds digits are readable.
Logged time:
8:49
